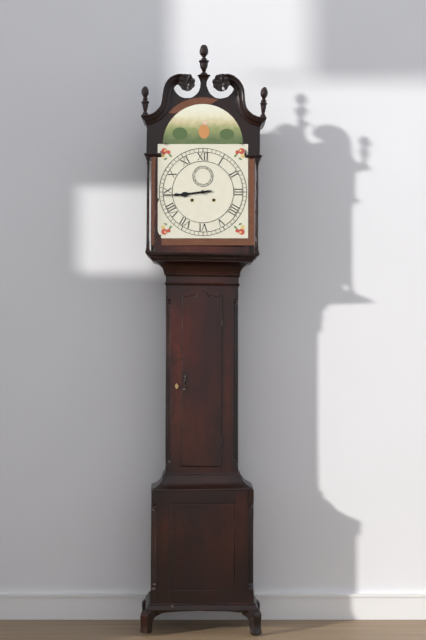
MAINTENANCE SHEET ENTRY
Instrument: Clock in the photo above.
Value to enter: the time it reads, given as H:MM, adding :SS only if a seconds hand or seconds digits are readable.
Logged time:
8:44
